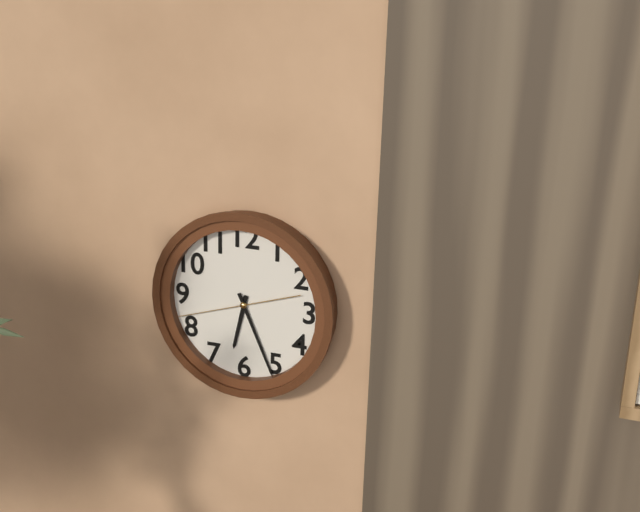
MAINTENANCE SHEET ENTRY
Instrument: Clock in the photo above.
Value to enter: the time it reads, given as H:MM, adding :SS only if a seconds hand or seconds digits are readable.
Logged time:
6:26:42
